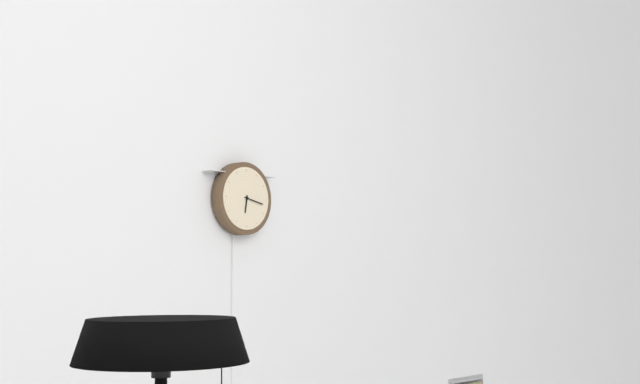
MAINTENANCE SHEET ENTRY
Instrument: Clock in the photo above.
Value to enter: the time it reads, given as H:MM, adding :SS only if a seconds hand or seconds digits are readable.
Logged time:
6:17
